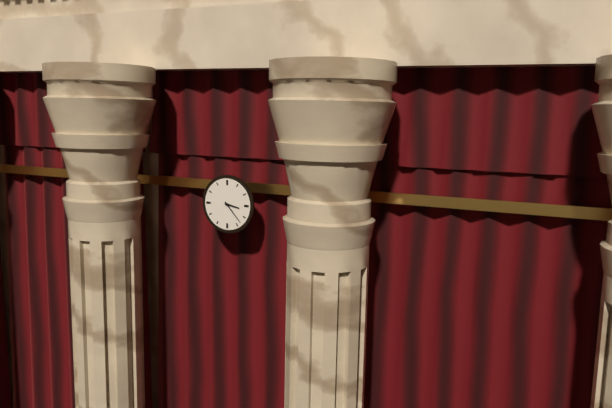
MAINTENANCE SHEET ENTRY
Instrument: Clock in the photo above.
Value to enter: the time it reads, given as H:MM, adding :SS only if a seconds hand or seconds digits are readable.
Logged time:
3:23
